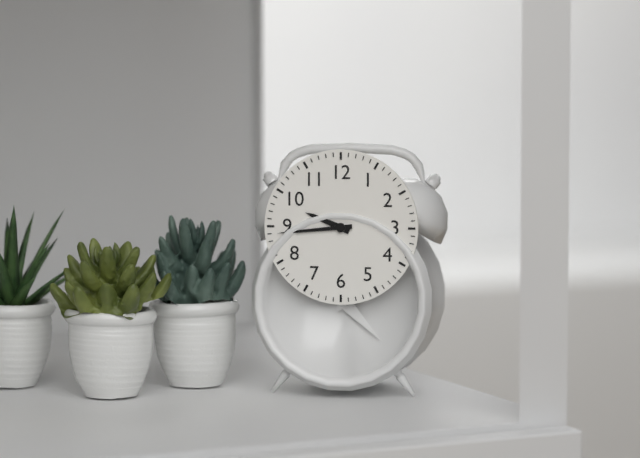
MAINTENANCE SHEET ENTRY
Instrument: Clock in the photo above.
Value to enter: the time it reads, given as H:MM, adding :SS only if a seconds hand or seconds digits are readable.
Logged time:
9:44
